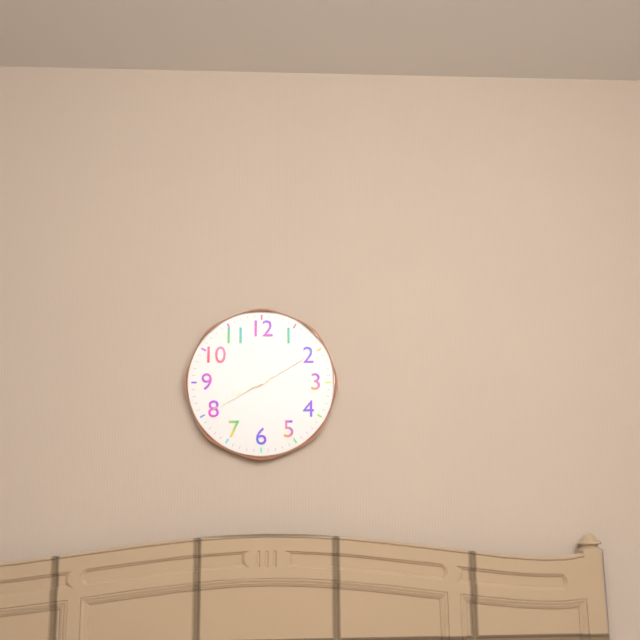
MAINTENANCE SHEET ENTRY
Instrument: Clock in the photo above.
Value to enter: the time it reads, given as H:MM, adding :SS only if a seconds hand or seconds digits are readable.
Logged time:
8:10:40
